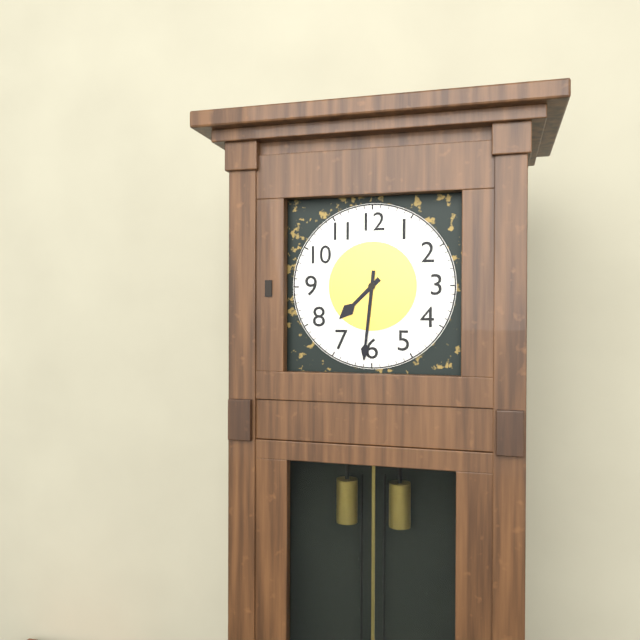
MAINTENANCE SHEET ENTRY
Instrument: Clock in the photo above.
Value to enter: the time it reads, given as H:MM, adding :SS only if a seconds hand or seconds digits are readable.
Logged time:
7:31
